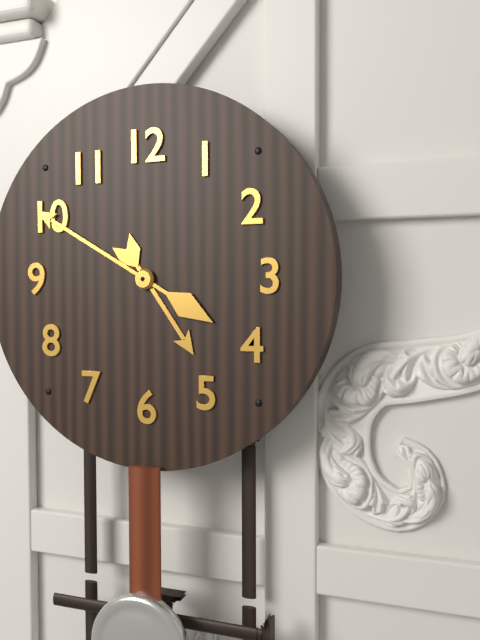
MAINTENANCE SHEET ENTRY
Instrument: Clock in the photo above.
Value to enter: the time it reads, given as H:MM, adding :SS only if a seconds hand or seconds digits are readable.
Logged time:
4:50
